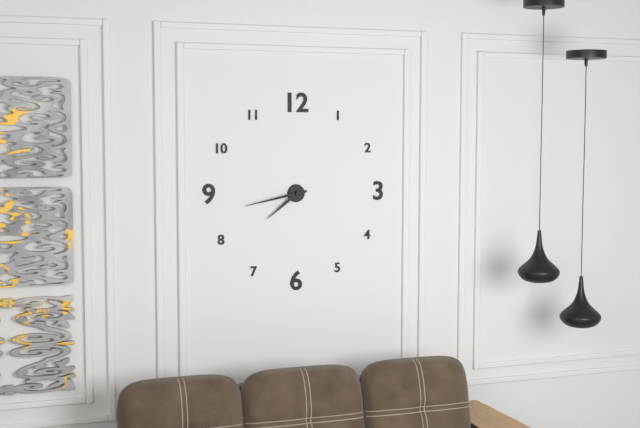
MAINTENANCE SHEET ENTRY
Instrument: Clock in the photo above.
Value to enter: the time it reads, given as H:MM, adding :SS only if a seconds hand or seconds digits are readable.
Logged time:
7:43
